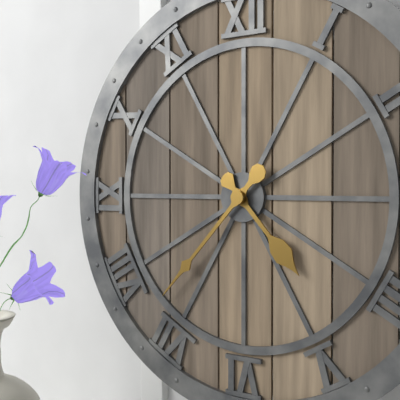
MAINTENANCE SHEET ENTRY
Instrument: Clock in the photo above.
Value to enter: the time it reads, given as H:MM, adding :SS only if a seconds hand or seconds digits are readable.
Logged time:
4:37
